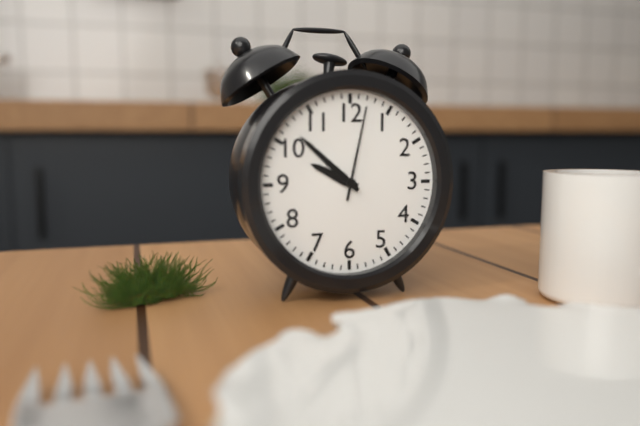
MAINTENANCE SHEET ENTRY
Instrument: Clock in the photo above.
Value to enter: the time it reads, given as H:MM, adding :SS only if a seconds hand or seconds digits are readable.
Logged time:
9:52:02
